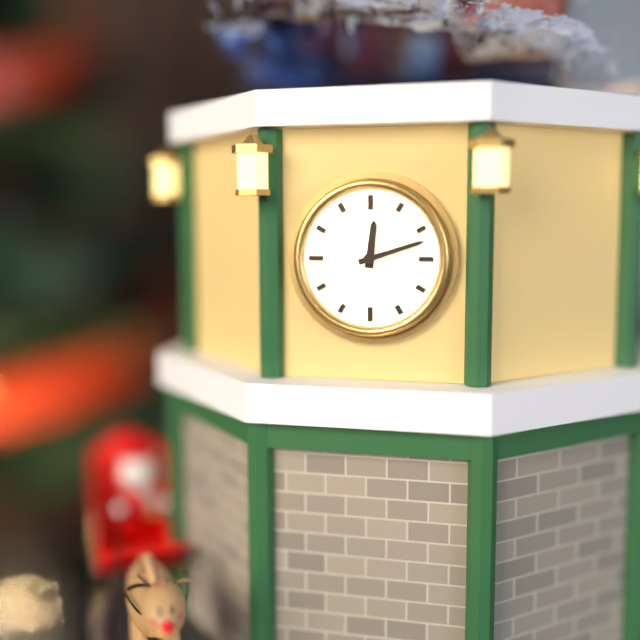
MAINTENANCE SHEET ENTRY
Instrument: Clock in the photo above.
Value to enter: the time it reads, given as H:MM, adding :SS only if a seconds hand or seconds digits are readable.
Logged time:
12:12
